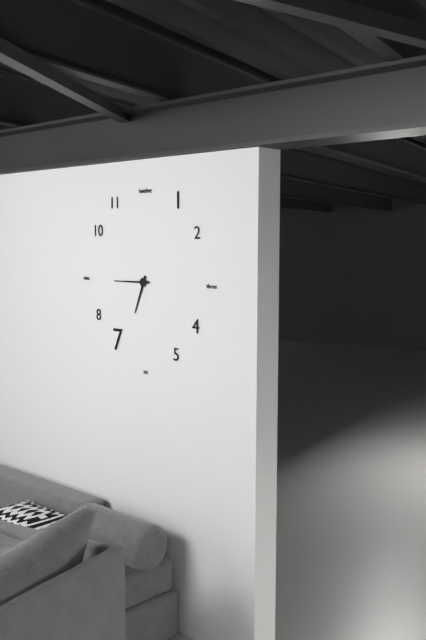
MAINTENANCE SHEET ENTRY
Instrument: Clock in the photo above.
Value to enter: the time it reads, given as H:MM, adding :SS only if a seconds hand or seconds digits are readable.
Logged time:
6:45
